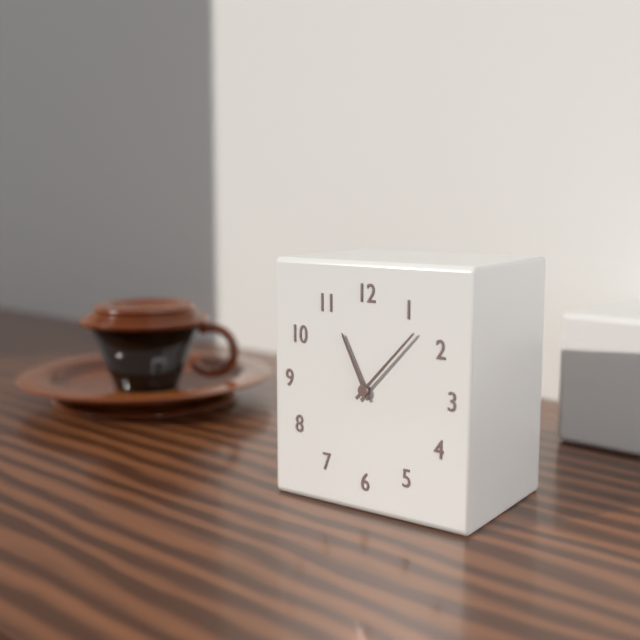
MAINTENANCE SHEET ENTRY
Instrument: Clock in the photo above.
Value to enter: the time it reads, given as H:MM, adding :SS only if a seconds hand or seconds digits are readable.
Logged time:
11:07
